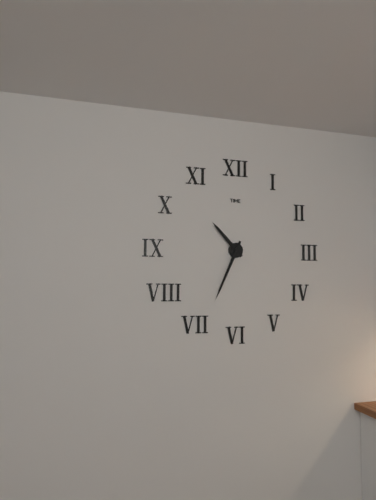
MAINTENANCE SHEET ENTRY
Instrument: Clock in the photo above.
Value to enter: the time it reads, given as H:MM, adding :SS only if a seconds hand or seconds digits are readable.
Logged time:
10:34
